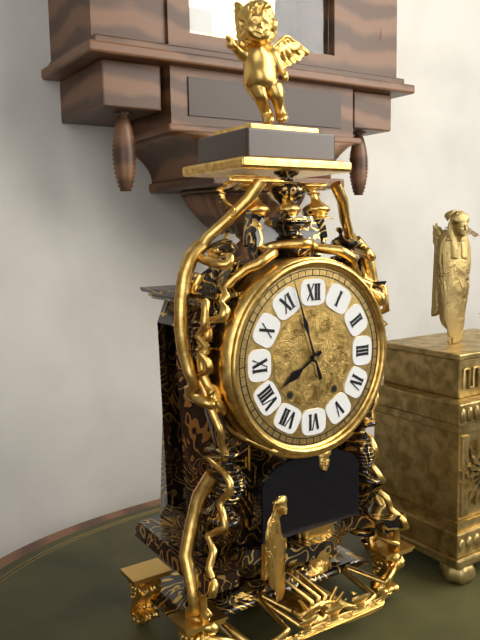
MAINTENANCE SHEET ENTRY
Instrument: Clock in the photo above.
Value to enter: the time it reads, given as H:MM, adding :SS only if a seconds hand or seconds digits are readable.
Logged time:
7:57
